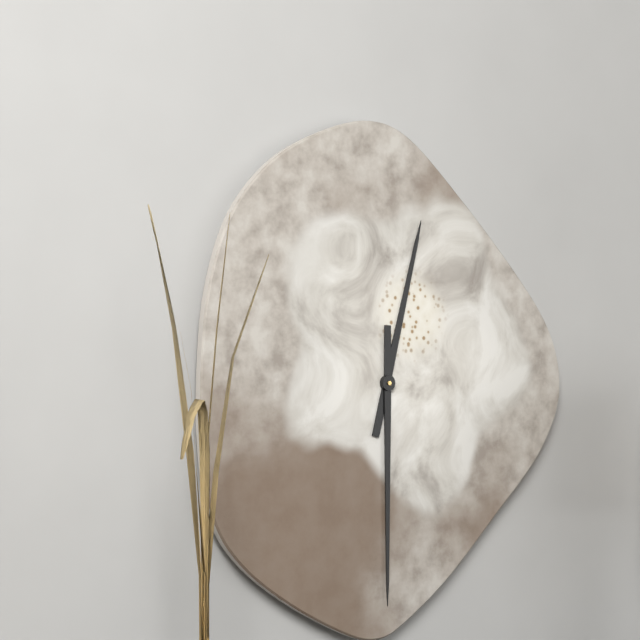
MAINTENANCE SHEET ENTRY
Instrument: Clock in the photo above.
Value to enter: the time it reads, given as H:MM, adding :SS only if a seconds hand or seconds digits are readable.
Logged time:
12:30
